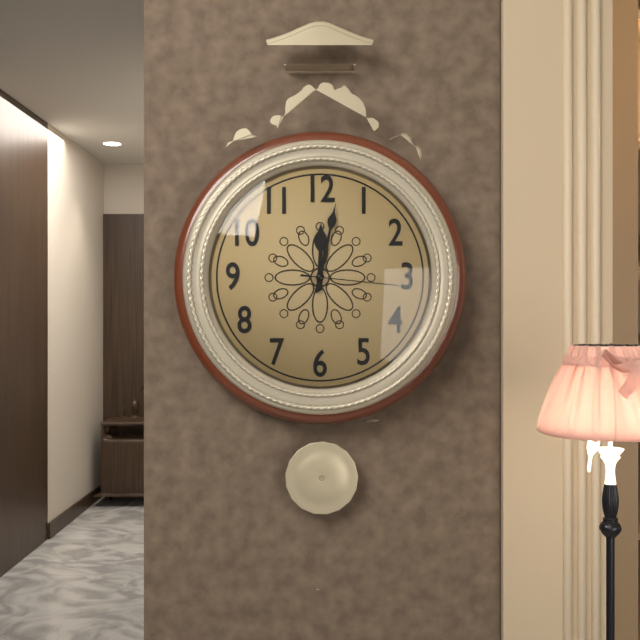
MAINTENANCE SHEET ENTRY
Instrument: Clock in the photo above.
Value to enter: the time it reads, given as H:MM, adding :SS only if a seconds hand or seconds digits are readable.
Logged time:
12:02:16
